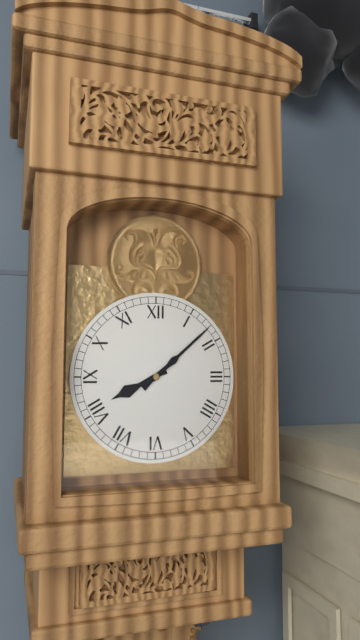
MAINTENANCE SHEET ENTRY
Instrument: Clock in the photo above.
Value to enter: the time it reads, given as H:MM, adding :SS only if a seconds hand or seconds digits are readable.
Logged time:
8:08
